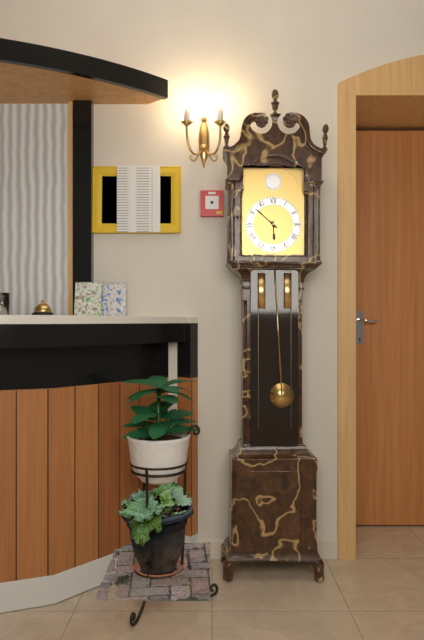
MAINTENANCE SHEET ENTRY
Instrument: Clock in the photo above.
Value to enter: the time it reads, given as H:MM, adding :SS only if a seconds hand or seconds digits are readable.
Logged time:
5:52
